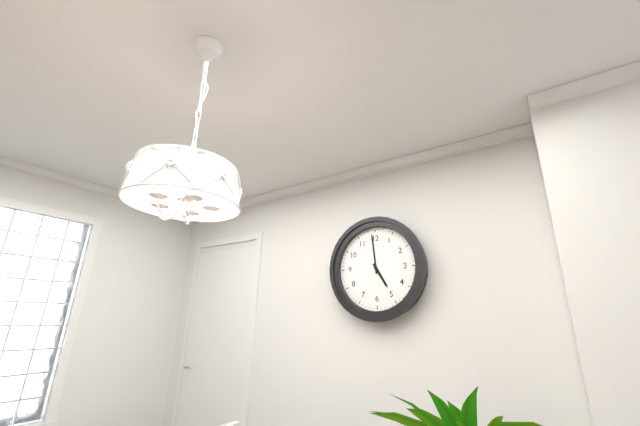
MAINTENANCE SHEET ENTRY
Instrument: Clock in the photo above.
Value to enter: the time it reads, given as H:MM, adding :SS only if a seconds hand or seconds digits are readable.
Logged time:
4:59
